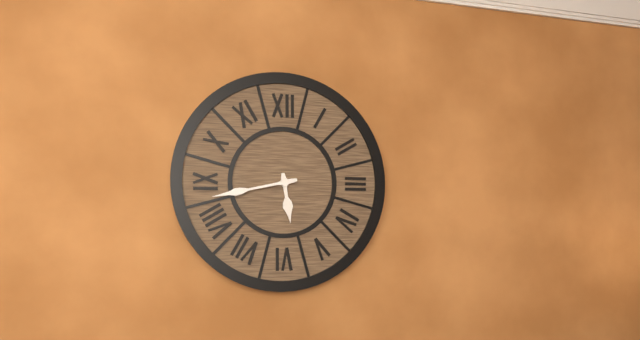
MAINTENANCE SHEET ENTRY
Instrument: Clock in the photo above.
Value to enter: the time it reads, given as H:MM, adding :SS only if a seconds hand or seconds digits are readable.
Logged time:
5:43
